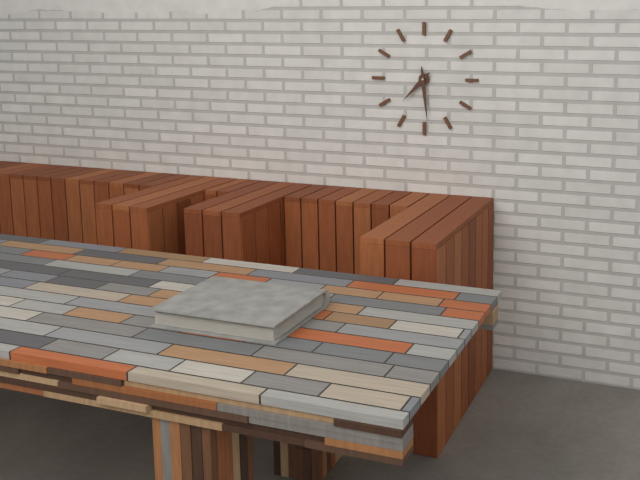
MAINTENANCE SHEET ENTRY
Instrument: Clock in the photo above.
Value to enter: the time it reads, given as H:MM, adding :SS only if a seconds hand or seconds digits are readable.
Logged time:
7:29
